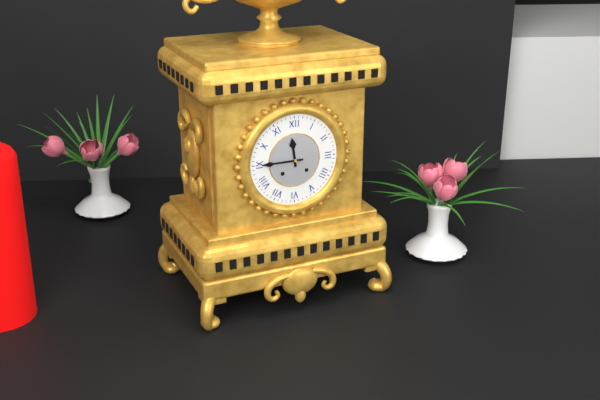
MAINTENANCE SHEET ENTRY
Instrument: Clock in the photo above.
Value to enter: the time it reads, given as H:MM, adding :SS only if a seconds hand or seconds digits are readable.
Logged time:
11:45
